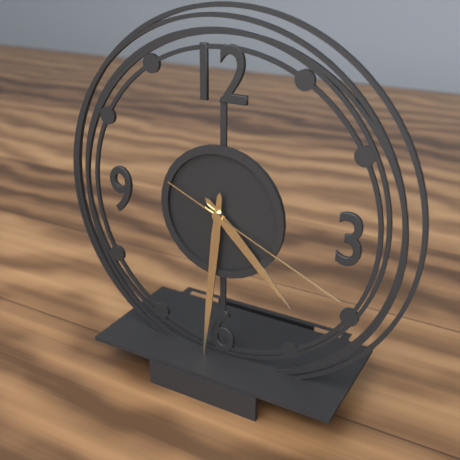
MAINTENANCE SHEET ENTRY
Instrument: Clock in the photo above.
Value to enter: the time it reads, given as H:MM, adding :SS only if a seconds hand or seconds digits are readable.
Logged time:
4:31:19
